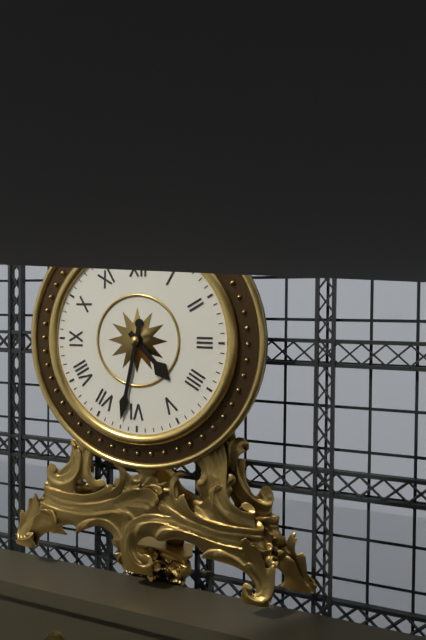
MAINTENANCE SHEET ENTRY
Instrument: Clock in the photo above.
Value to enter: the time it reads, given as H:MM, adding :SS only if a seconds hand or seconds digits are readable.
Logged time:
4:32
